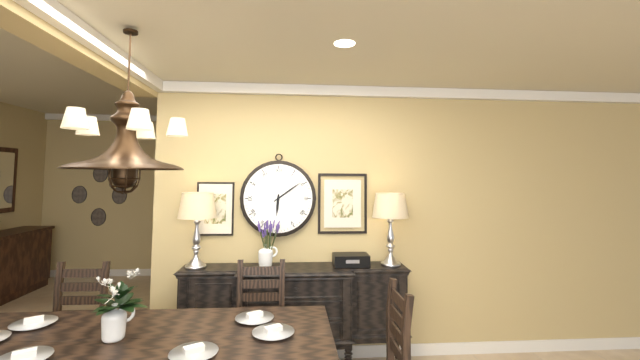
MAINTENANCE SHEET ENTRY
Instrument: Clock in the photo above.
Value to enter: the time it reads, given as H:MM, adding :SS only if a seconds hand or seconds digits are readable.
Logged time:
6:09
